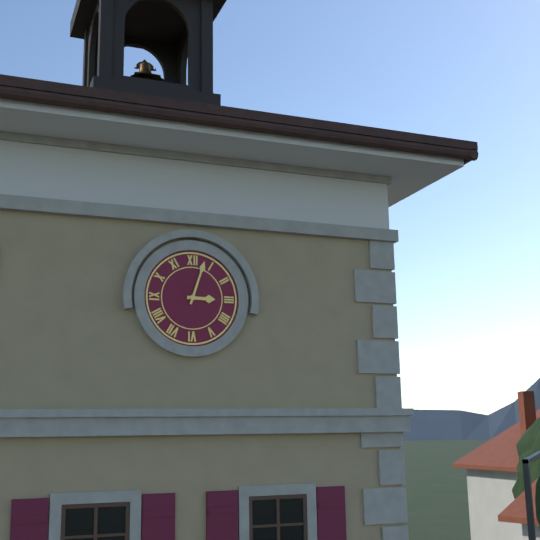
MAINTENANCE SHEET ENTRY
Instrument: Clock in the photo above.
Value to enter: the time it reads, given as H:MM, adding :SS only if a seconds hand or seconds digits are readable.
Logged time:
3:03
